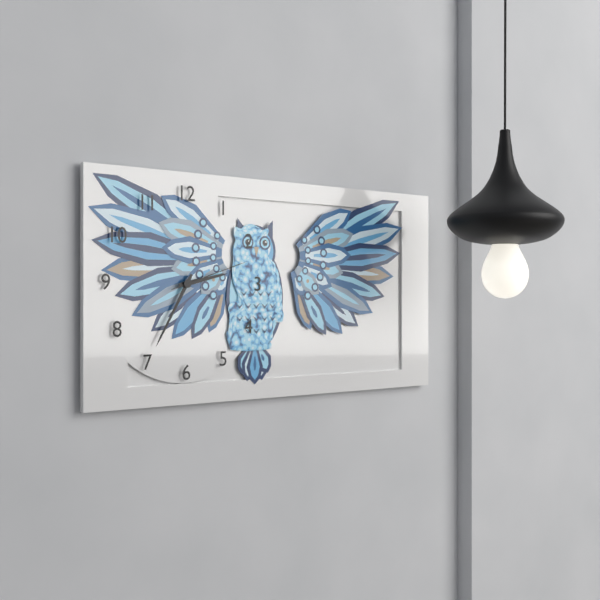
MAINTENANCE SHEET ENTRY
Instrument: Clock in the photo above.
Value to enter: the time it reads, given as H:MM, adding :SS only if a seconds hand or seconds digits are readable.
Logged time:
2:35:12
